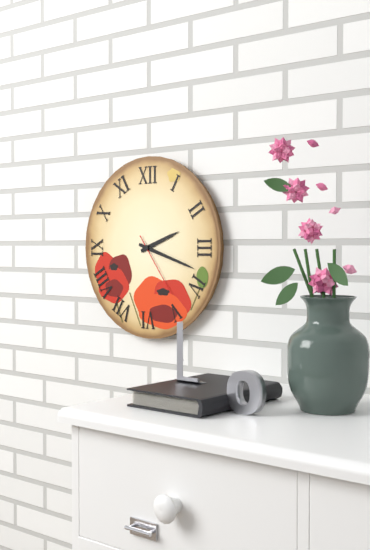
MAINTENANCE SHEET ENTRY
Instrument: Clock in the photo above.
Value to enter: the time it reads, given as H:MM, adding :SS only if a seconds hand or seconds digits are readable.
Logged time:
2:18:24
